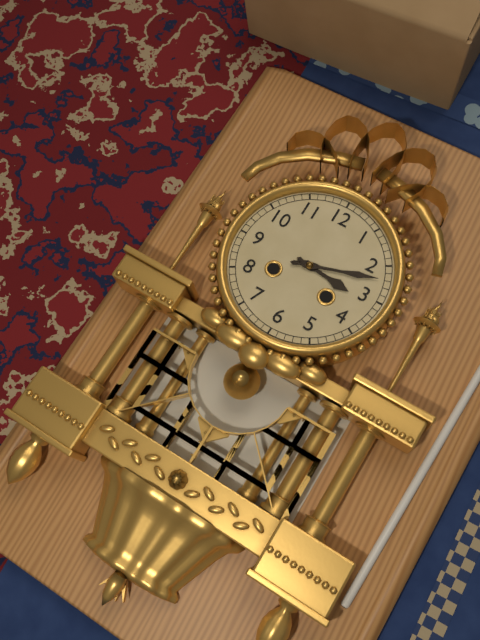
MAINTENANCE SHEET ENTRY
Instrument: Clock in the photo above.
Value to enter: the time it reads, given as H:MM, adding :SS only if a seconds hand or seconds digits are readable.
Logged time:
3:12
